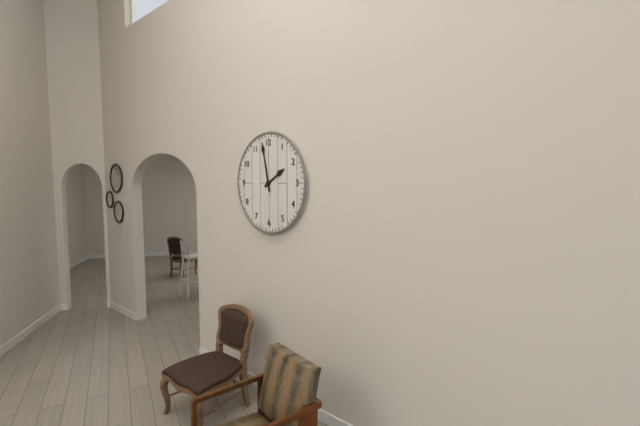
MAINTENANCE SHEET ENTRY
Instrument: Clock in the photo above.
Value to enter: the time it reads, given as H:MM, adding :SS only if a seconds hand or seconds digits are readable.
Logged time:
1:58
